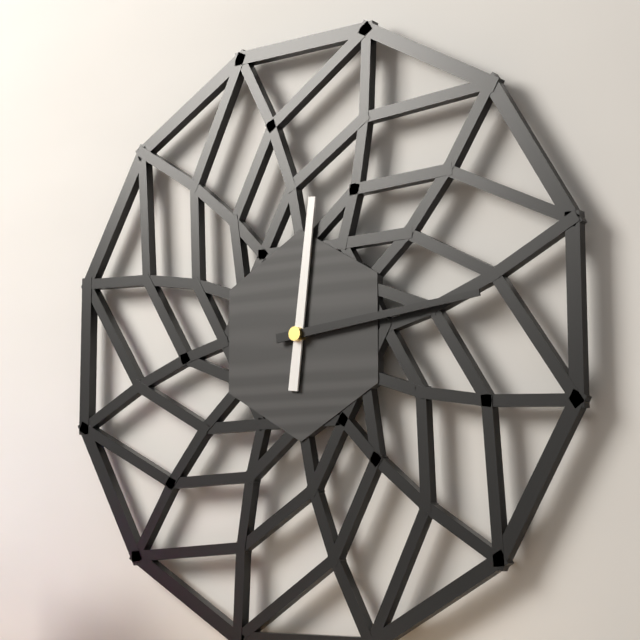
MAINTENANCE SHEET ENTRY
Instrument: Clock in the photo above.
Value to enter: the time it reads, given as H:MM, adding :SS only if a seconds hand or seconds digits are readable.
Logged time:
12:14
